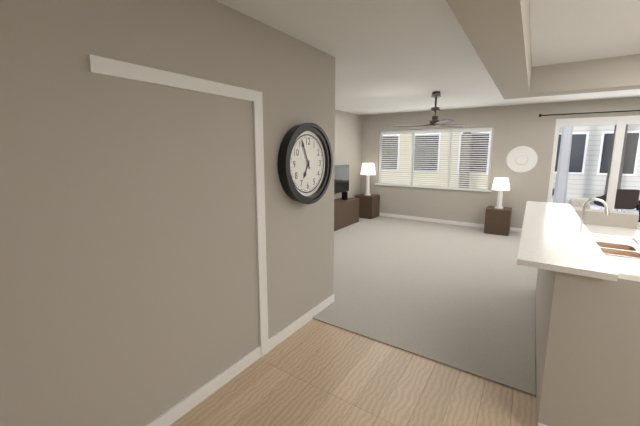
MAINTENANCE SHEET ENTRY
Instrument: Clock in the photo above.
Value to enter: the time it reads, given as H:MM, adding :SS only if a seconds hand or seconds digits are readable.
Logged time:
6:56
